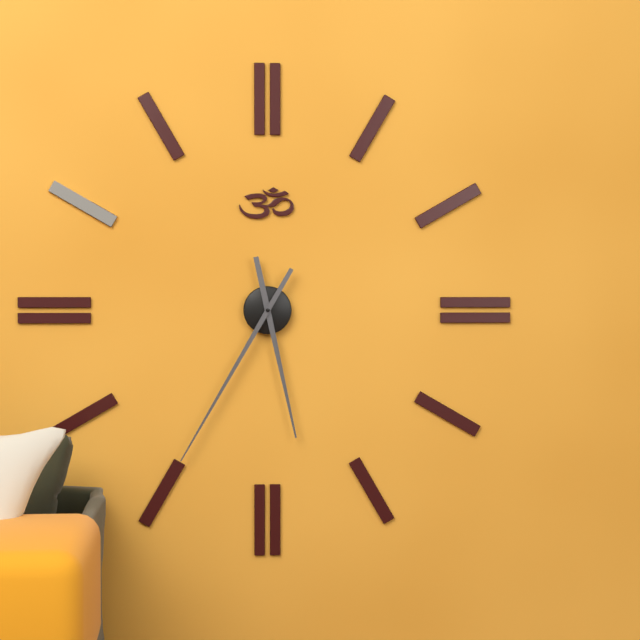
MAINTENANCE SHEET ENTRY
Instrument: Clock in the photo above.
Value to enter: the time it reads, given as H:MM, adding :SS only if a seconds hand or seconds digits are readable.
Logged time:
5:35
